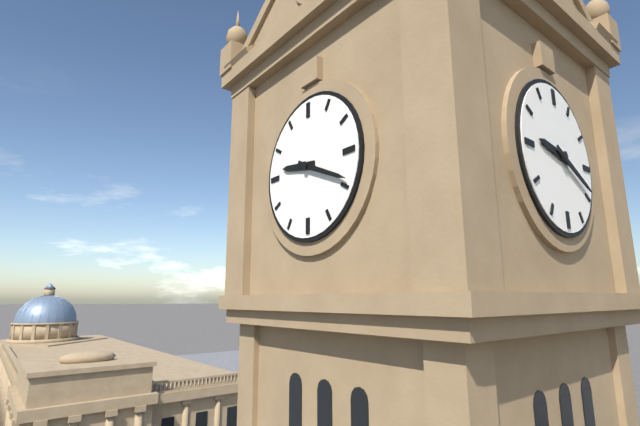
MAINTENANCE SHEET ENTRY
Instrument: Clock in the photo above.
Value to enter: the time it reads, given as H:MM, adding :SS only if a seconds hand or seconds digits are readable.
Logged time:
9:19
